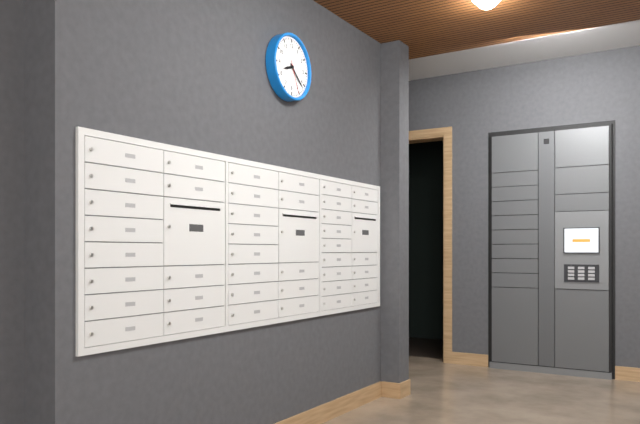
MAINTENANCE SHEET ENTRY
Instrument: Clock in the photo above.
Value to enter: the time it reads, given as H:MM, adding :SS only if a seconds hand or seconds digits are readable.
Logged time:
8:22
